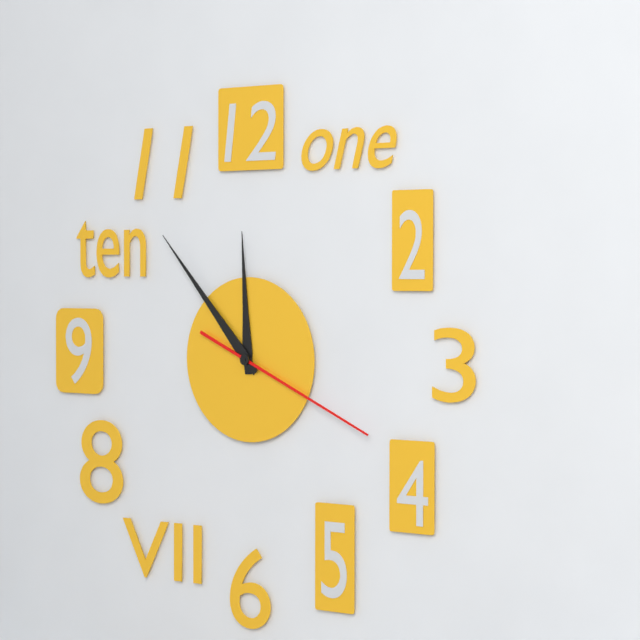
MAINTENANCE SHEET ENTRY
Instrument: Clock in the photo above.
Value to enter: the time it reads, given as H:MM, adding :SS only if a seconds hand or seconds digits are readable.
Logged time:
11:53:19
